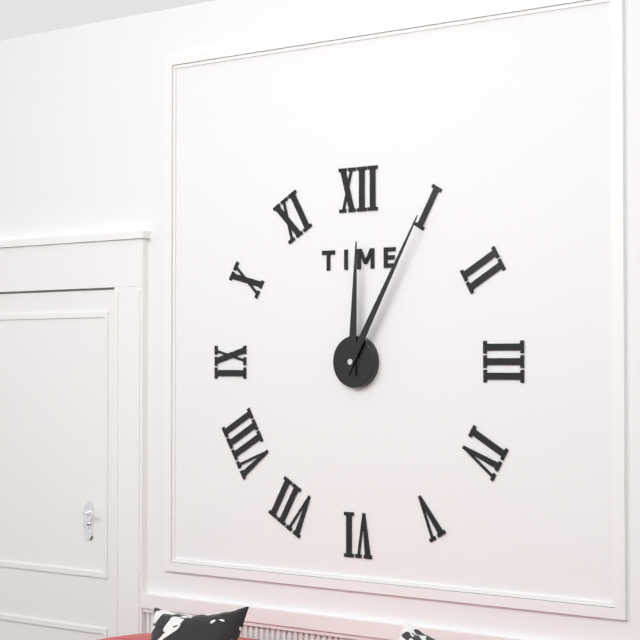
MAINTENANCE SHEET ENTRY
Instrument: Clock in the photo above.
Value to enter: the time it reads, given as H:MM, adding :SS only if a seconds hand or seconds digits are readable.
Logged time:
12:05
